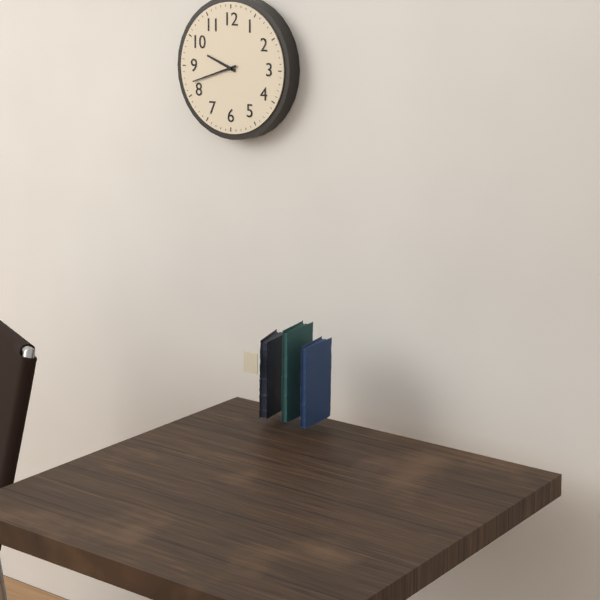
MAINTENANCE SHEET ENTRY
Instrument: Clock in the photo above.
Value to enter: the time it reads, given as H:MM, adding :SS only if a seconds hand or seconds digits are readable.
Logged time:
9:42
